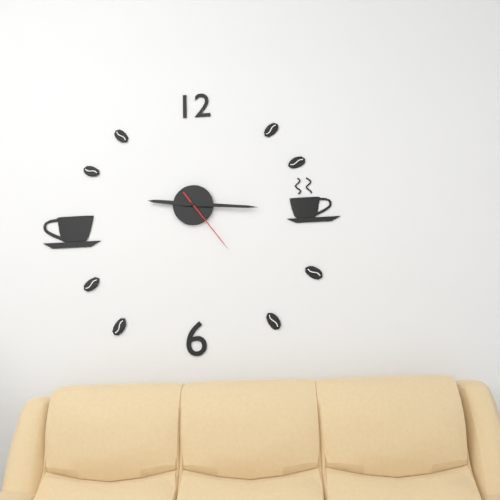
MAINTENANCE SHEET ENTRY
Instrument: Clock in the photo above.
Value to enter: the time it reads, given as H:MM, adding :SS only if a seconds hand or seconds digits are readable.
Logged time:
9:16:24
